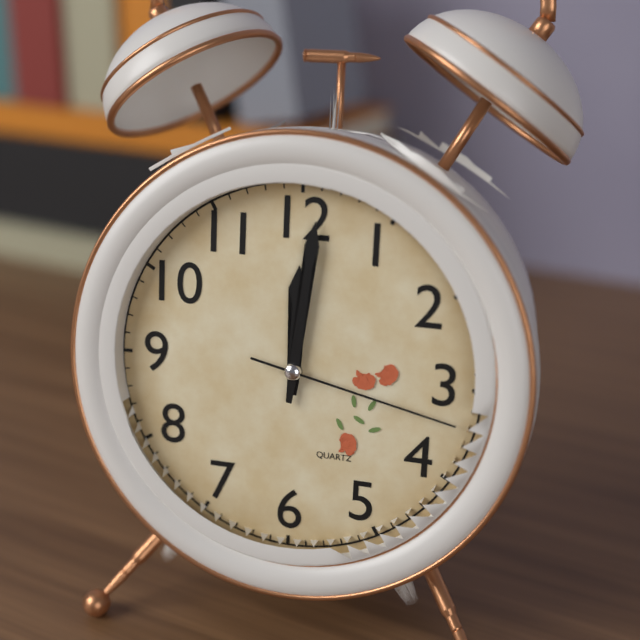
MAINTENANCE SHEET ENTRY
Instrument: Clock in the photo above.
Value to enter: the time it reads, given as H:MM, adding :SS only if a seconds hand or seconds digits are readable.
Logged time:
12:01:17
